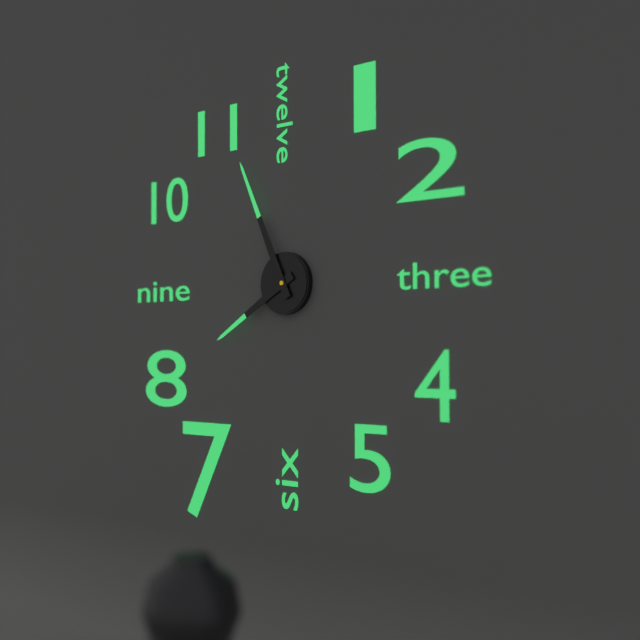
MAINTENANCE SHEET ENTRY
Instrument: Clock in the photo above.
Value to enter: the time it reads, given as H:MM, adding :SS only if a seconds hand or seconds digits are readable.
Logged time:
7:56
